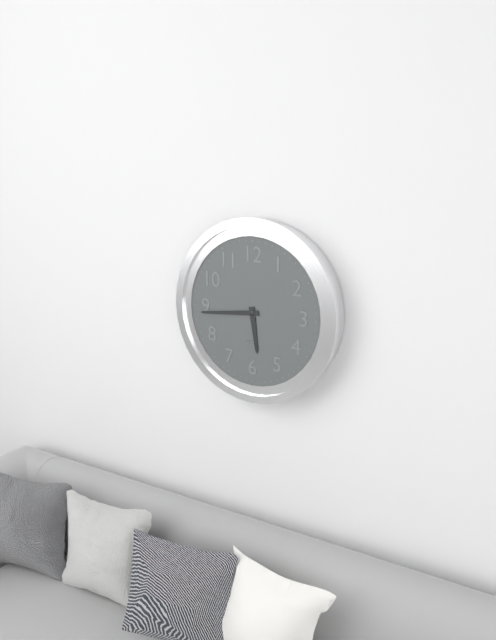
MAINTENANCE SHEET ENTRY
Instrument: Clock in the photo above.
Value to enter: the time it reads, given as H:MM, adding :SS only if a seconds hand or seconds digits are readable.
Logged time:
5:44
